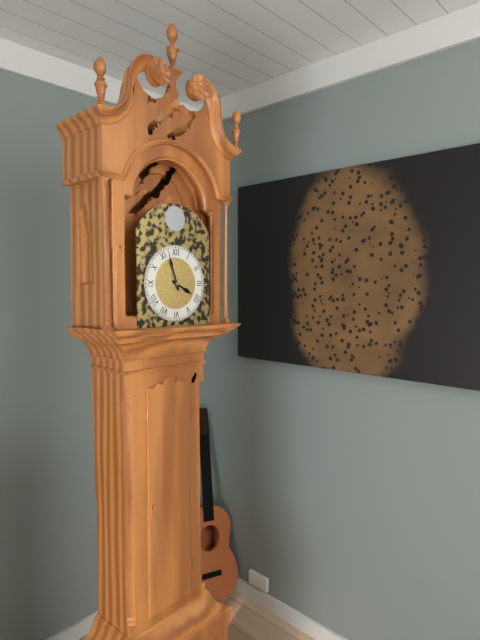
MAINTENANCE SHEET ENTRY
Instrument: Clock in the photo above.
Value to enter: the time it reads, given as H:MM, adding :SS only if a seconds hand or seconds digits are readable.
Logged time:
3:57
